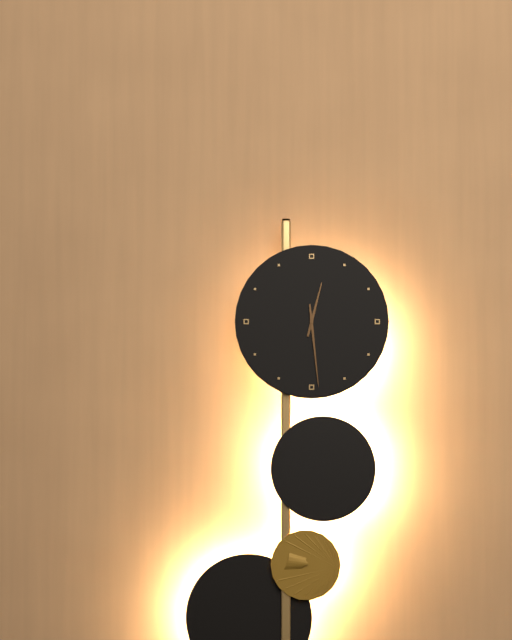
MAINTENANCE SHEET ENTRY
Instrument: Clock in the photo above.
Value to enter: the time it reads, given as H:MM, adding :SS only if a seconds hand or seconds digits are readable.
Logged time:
12:29
